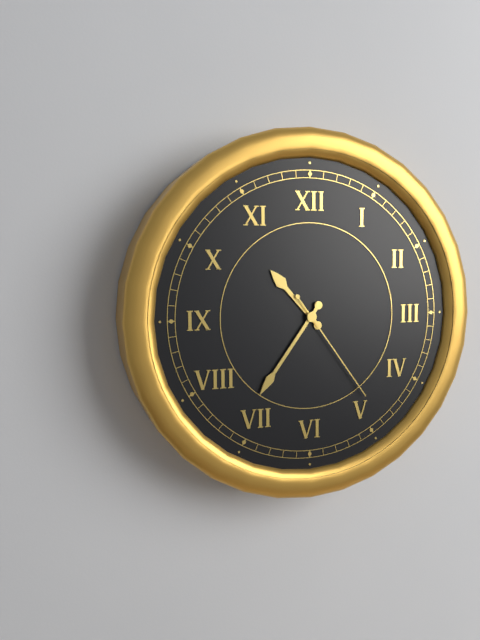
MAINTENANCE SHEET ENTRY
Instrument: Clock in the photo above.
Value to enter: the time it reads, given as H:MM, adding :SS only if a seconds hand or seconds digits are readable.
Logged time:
10:36:24
